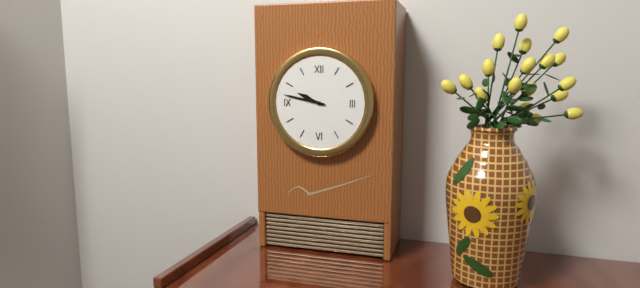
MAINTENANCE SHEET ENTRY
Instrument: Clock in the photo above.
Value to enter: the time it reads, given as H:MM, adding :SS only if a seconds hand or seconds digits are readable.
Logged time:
9:47
